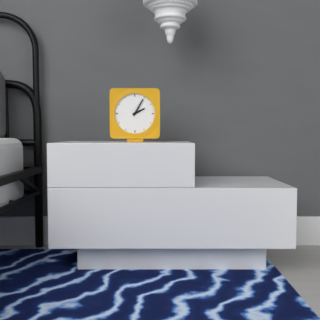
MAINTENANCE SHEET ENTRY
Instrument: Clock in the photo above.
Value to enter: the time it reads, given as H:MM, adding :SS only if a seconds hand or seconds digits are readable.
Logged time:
2:05
